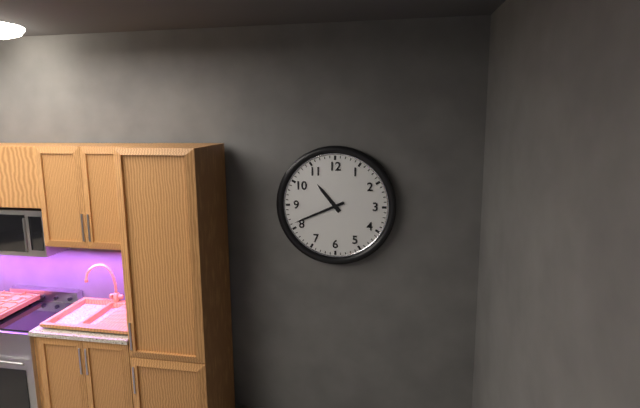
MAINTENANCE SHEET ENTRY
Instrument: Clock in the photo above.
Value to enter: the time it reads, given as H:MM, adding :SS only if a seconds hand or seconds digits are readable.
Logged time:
10:41
